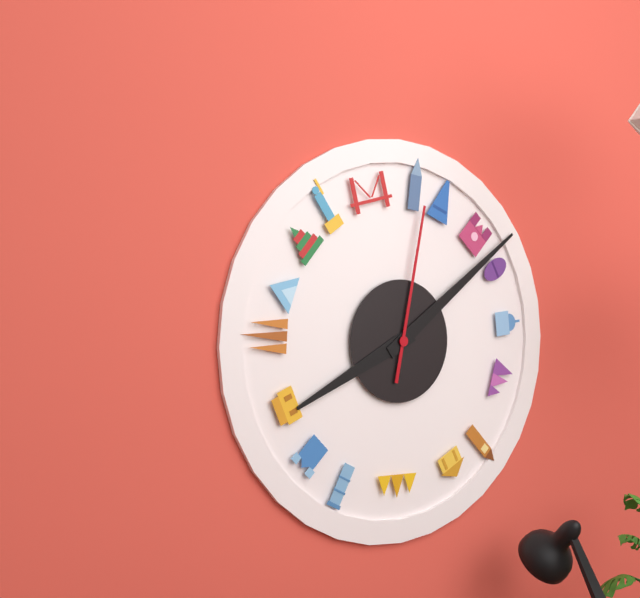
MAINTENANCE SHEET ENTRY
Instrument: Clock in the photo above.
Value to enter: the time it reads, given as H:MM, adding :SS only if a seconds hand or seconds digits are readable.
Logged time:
8:09:02
